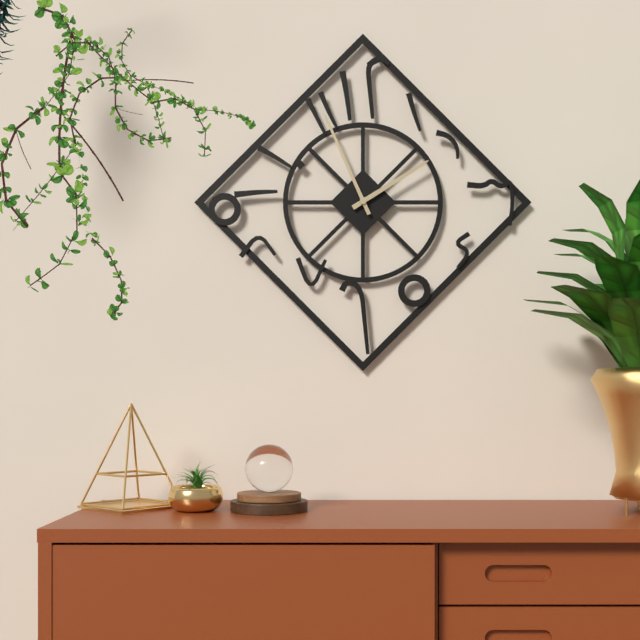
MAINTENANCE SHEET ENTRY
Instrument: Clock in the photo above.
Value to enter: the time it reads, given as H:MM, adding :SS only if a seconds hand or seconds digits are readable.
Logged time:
1:56
